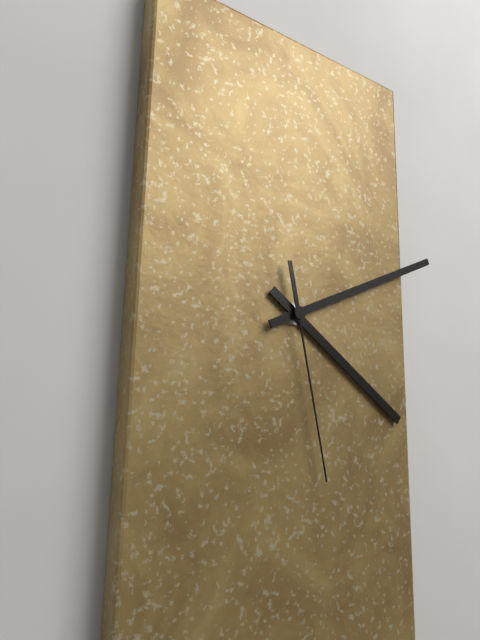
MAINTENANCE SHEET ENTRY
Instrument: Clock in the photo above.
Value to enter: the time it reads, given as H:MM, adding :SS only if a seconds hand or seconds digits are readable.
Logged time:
4:11:28
